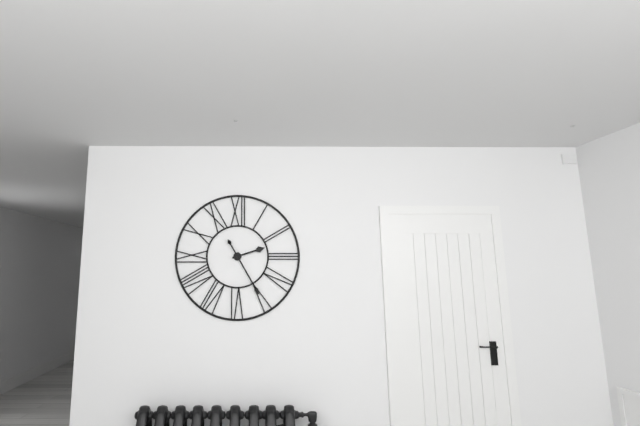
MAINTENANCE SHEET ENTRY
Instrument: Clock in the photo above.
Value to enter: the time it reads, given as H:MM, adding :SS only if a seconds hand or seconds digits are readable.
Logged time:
2:25
